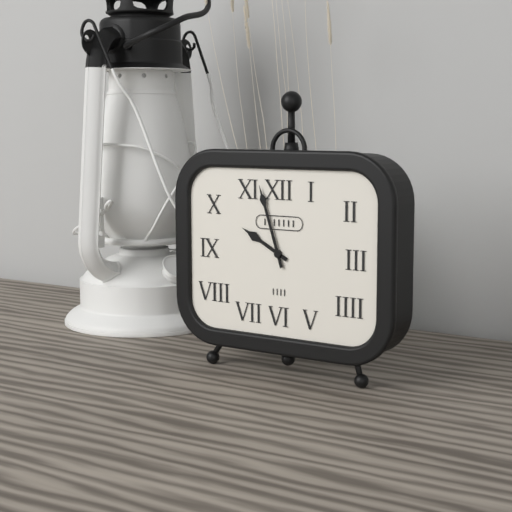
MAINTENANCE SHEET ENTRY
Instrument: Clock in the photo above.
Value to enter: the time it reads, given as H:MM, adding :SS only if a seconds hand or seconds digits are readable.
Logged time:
9:57
